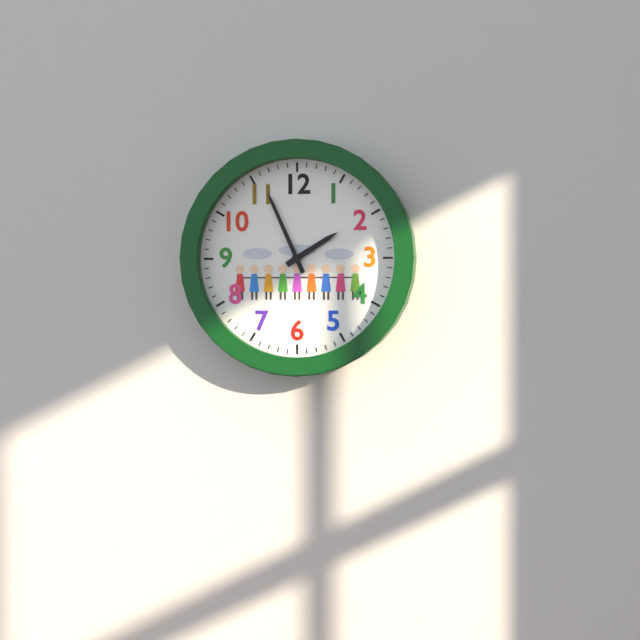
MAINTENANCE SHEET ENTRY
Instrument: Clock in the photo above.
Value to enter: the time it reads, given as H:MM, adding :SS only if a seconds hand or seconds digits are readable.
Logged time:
1:56
